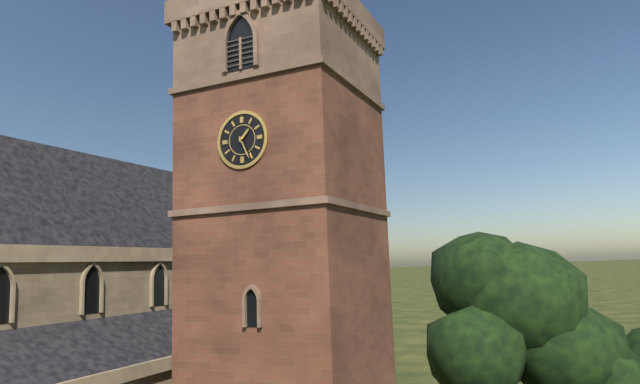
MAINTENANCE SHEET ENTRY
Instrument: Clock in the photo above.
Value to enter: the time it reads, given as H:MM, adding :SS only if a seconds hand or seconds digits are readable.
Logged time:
1:26
